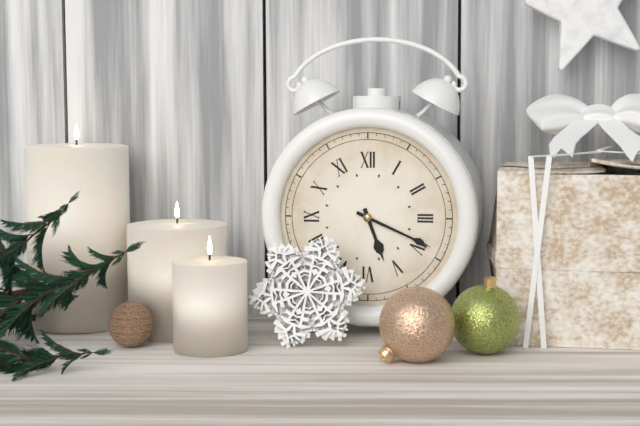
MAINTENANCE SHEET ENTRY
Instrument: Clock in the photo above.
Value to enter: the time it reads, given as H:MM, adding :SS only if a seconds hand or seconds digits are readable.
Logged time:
5:19
